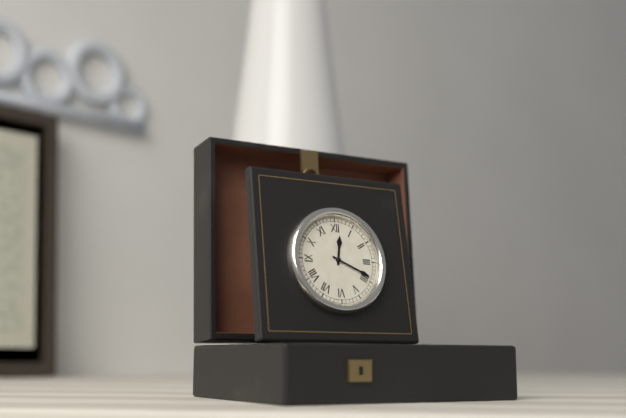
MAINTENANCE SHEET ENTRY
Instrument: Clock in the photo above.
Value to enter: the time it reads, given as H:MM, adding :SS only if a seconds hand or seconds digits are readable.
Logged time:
12:19
